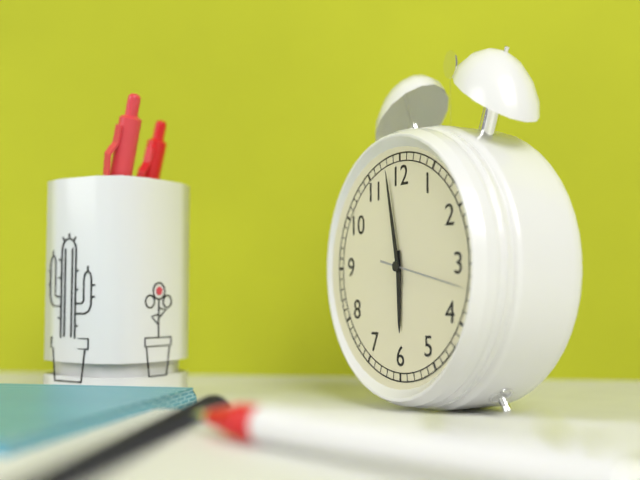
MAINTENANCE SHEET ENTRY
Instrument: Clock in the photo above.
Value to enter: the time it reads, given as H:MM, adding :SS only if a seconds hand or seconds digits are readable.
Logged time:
5:58:17
